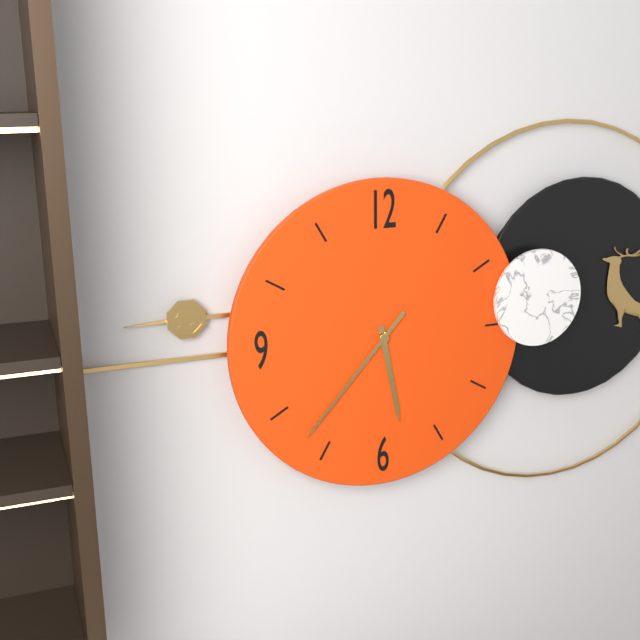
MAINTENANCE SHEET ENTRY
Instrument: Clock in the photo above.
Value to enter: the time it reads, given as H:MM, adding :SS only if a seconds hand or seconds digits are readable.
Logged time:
5:37
